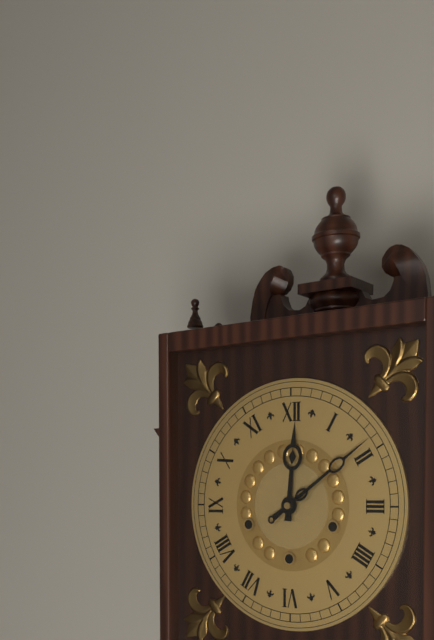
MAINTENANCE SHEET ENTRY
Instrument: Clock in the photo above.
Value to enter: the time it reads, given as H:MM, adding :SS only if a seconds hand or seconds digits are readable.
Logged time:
12:09
